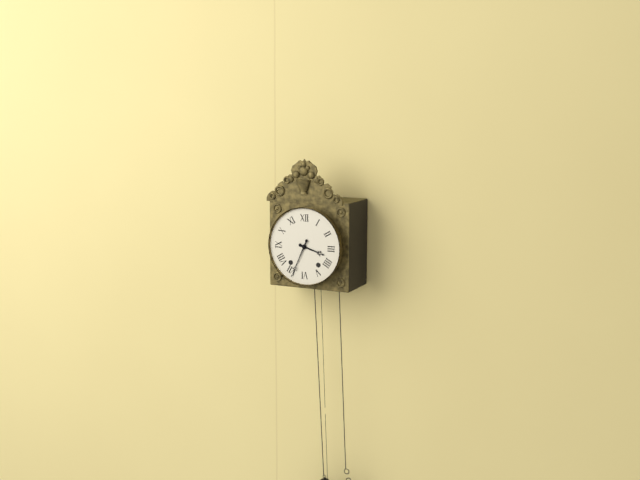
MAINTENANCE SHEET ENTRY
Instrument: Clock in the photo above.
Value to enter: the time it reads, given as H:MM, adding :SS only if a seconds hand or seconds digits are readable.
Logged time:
3:34
